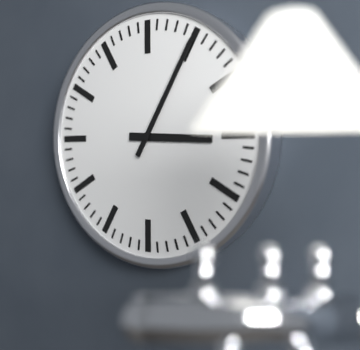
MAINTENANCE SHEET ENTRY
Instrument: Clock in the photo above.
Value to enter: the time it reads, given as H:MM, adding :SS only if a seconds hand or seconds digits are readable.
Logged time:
3:05
